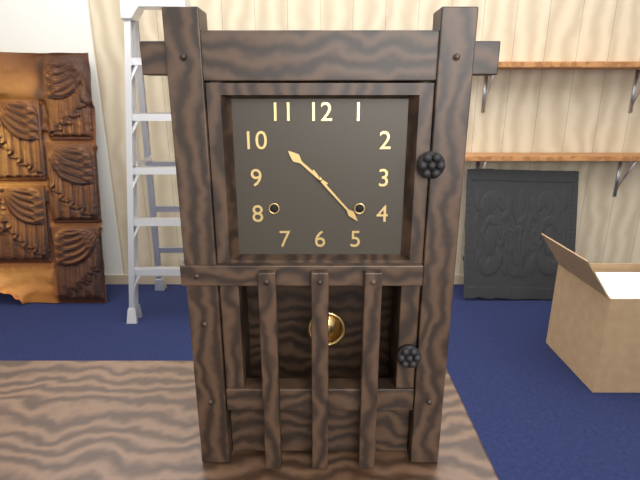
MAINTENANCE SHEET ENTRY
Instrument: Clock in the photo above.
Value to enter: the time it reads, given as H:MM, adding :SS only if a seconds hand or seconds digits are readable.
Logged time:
10:23
